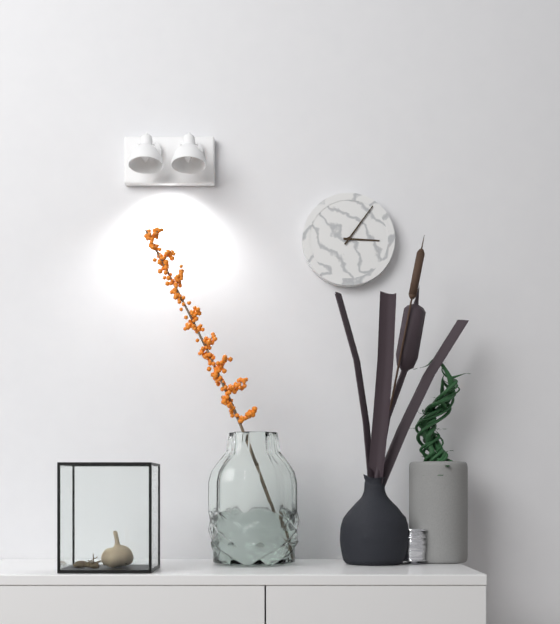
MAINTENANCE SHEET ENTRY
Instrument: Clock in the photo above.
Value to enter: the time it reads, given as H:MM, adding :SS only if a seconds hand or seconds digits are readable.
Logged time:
3:06
